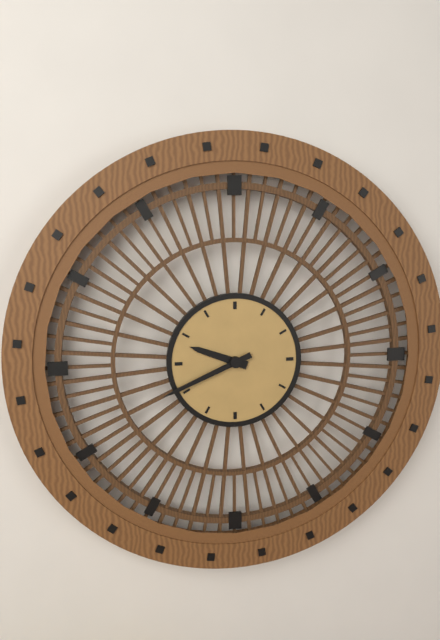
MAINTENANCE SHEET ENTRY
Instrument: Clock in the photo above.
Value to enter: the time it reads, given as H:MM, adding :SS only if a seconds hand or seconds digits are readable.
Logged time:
9:41
